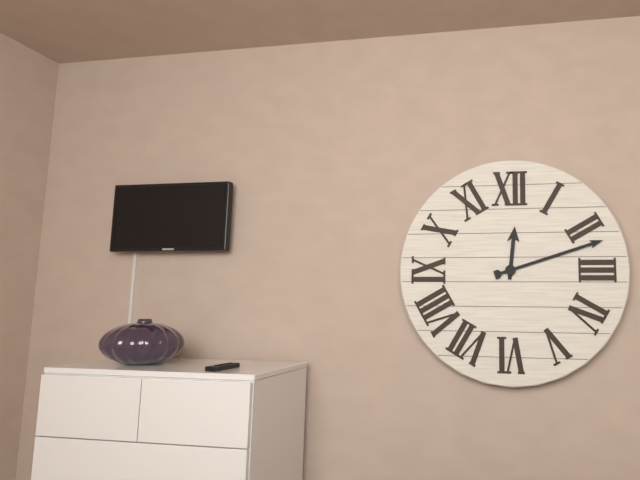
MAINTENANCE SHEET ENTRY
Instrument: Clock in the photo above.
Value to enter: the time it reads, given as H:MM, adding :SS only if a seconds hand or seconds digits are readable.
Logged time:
12:12
